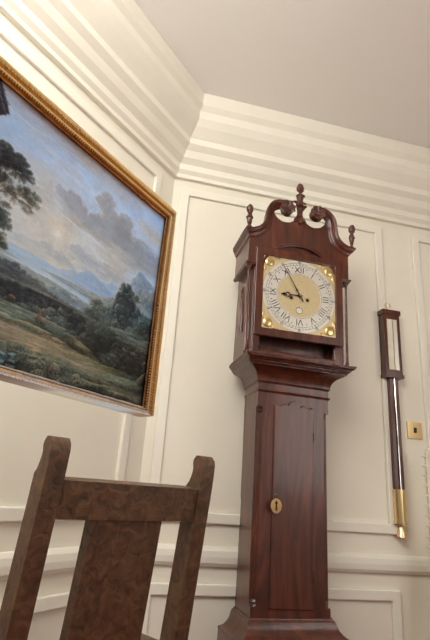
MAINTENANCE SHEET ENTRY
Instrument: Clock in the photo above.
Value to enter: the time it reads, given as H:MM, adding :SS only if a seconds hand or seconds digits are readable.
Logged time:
8:55
